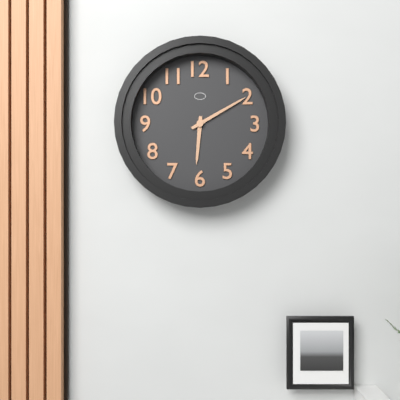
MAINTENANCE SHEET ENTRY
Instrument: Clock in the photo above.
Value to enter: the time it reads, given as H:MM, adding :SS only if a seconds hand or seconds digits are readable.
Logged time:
6:10
